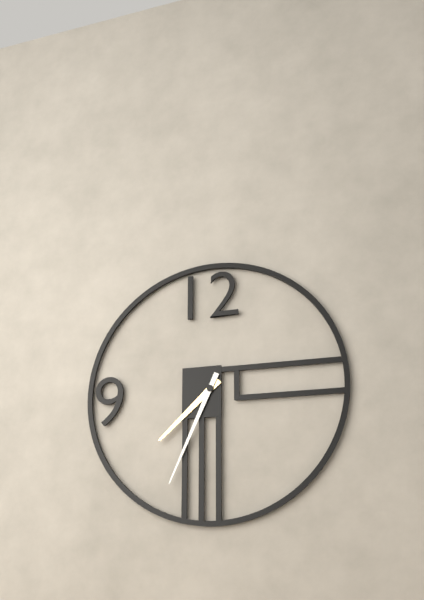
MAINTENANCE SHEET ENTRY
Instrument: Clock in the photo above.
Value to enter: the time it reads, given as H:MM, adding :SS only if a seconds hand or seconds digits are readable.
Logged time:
7:34
